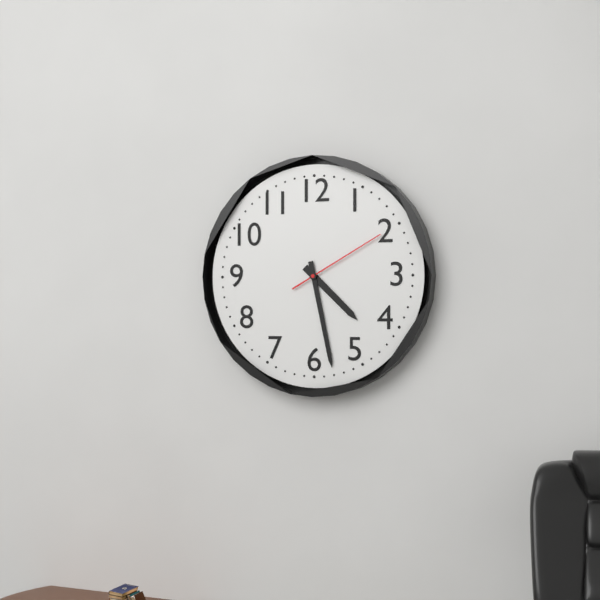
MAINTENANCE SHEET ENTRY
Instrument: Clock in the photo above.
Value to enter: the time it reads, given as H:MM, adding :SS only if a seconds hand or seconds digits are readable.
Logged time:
4:28:10
